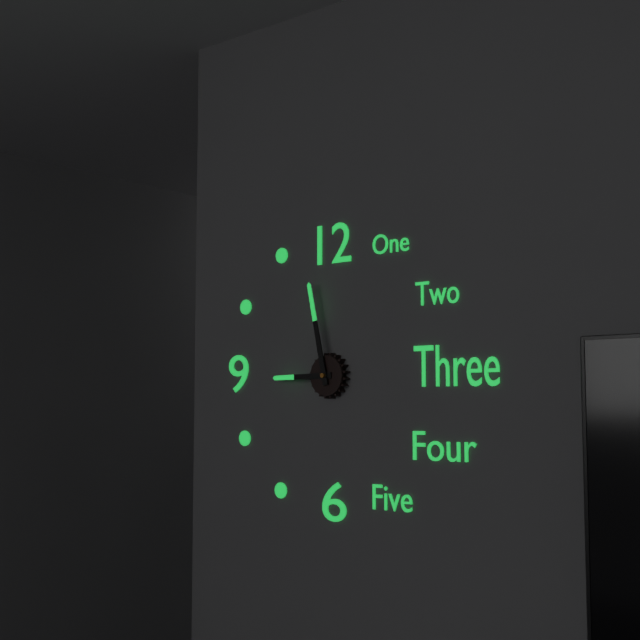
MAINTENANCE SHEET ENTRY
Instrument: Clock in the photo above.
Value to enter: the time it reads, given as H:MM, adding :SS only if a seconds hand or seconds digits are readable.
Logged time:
8:58
